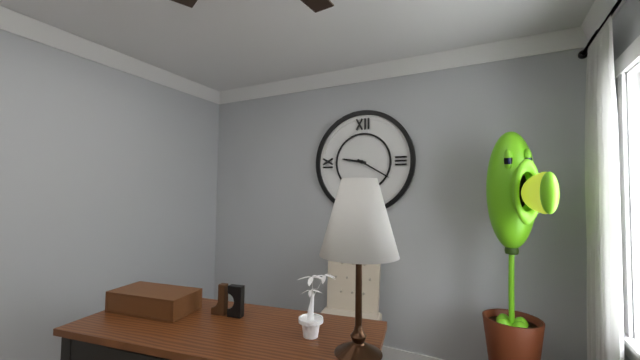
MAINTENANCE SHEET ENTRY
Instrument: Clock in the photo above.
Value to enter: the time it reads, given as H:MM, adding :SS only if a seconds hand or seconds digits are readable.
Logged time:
9:20
